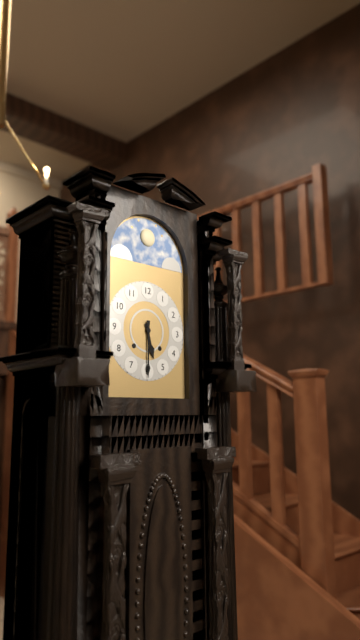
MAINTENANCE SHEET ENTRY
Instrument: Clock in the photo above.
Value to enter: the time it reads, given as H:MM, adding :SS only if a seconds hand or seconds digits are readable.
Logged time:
5:30
